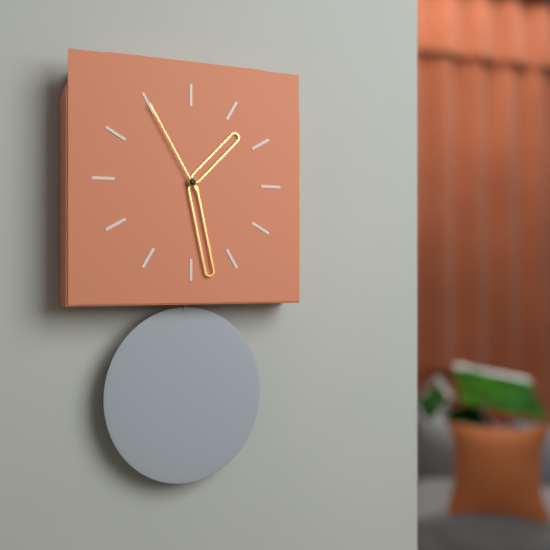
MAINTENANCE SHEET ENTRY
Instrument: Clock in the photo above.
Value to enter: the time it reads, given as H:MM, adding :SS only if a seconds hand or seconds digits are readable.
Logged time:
1:28:55
